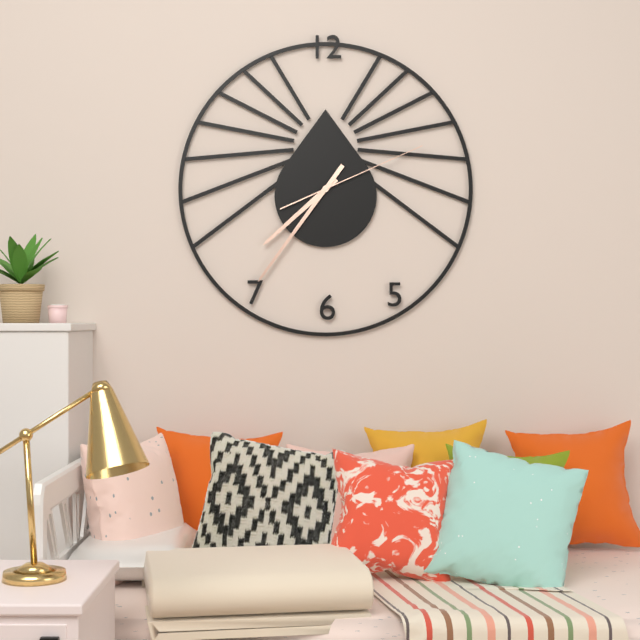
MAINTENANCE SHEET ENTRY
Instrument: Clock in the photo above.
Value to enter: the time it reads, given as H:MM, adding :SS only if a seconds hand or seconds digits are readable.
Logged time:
7:36:11
